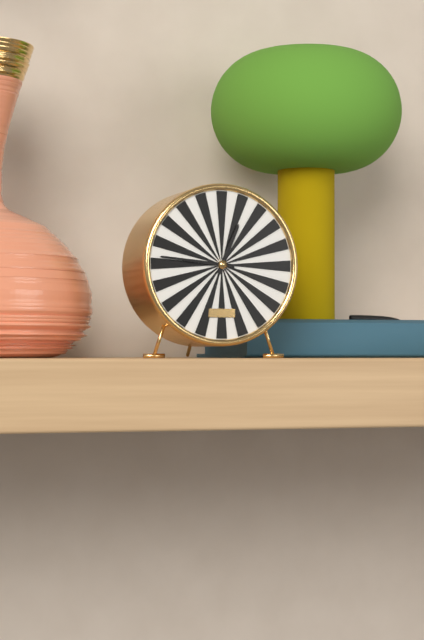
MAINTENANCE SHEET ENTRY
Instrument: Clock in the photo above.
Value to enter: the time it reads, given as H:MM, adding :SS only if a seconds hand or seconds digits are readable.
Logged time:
12:46
